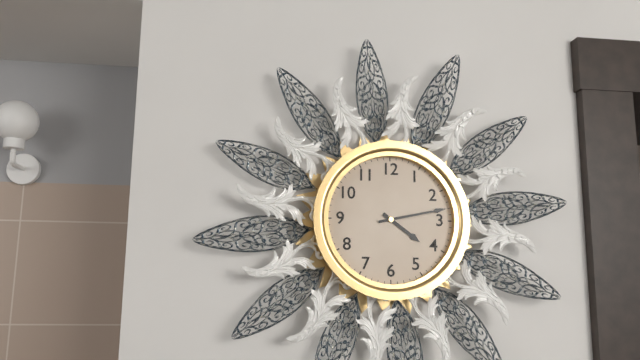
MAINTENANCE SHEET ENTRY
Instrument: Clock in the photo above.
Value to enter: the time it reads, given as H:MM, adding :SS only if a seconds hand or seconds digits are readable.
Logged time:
4:13
